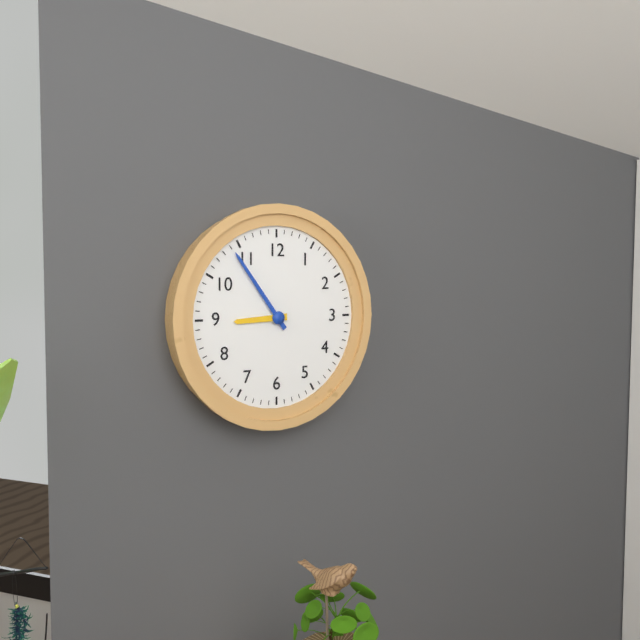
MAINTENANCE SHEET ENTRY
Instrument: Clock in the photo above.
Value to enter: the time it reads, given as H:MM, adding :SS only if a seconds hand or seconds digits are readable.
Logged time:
8:54
